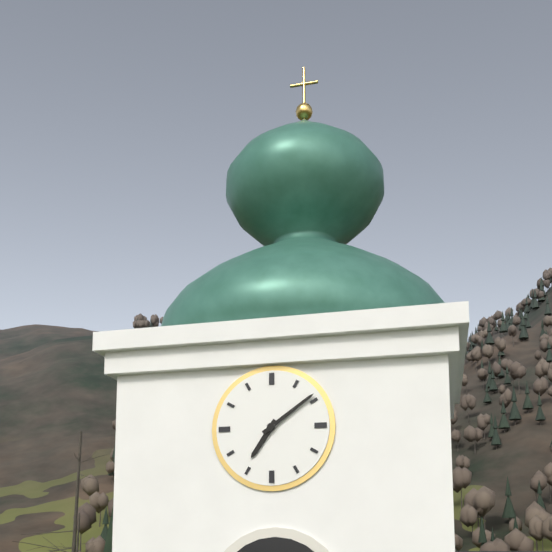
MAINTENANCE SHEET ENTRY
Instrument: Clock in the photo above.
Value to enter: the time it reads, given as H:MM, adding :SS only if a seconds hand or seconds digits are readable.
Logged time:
7:09
